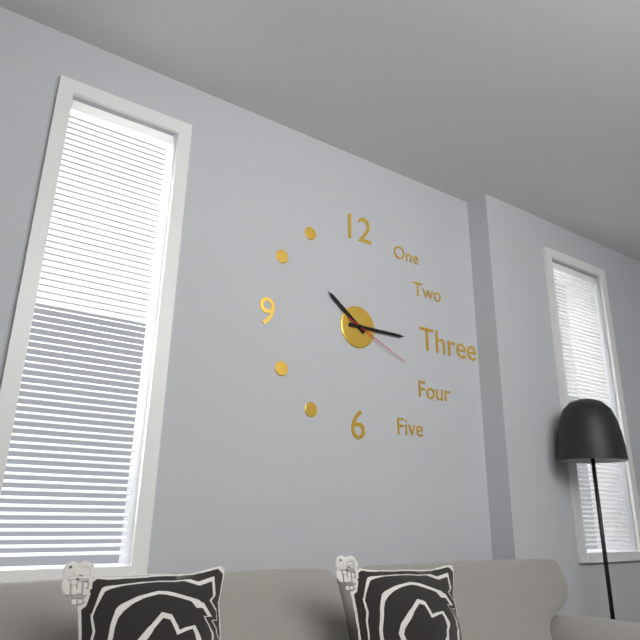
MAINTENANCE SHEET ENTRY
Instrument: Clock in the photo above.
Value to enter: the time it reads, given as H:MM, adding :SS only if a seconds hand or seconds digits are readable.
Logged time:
10:15:19
